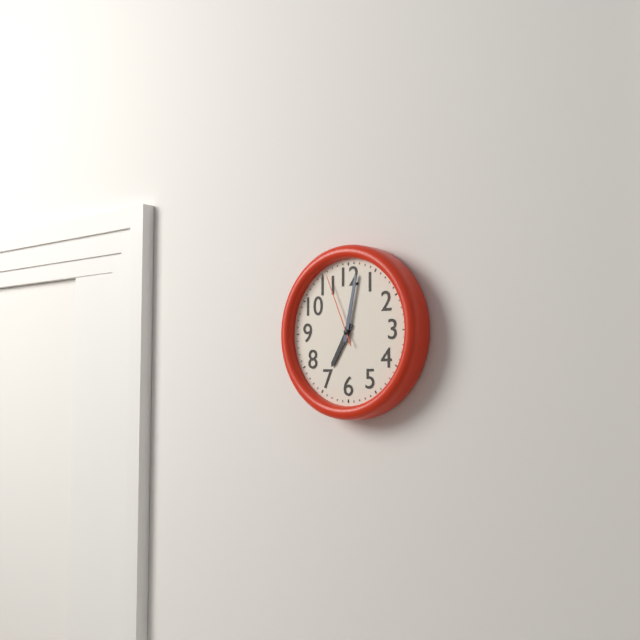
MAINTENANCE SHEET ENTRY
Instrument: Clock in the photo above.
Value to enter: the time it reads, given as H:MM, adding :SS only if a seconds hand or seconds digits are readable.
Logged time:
7:02:56
